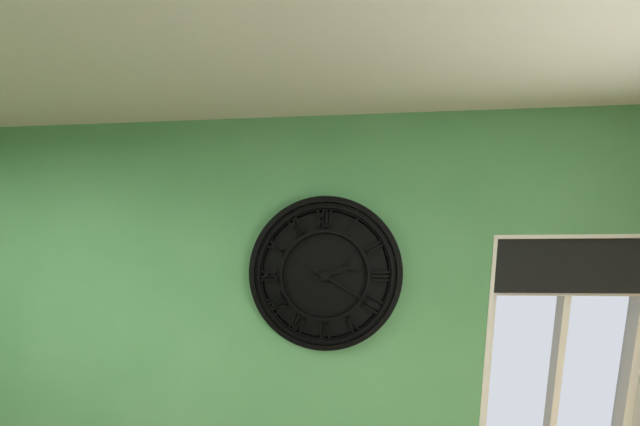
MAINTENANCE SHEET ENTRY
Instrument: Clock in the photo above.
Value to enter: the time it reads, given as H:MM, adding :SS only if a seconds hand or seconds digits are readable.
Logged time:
2:20
